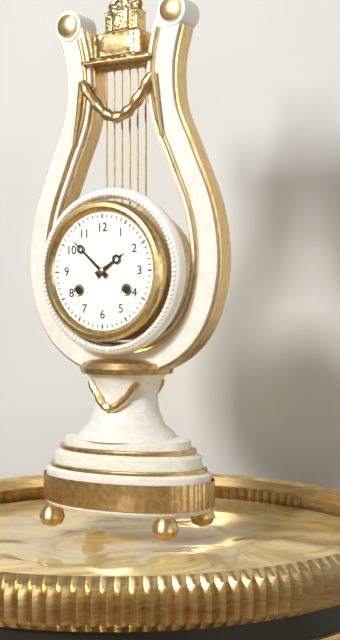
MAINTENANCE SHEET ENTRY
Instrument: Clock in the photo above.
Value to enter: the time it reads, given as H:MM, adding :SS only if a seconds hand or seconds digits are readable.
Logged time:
1:52
